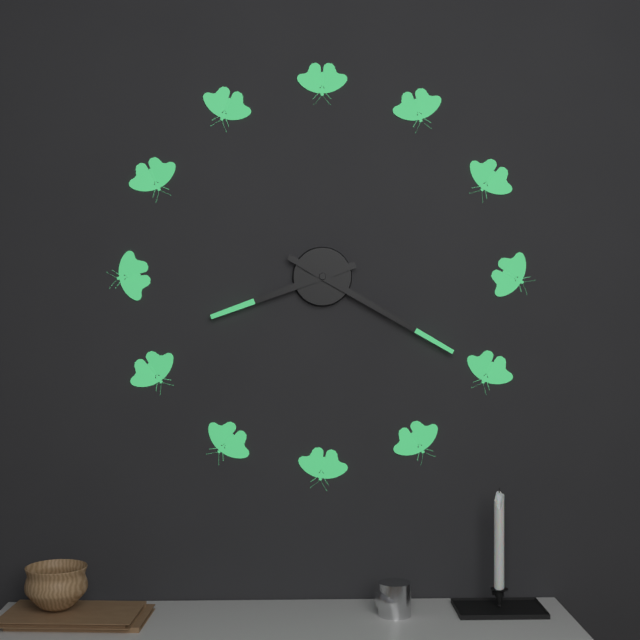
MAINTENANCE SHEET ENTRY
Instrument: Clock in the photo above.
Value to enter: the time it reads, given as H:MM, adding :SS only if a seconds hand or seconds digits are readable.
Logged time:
8:20
